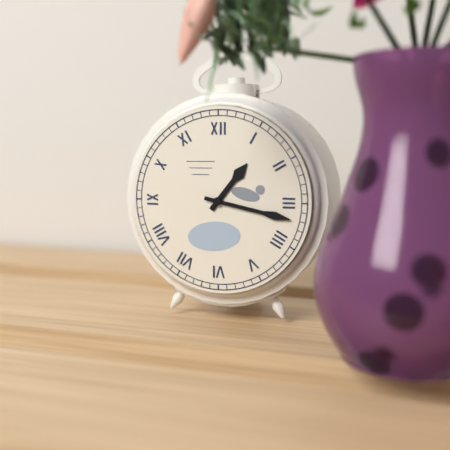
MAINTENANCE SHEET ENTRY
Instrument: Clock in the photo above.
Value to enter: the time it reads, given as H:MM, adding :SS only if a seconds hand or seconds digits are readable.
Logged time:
1:17
